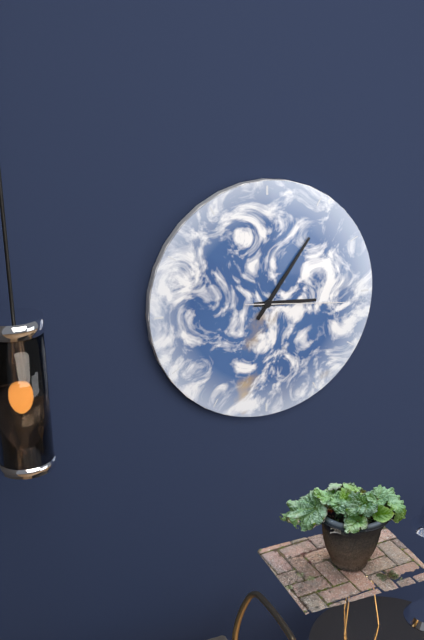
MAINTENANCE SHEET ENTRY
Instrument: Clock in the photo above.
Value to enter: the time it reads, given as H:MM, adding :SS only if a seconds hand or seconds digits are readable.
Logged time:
3:06:16
